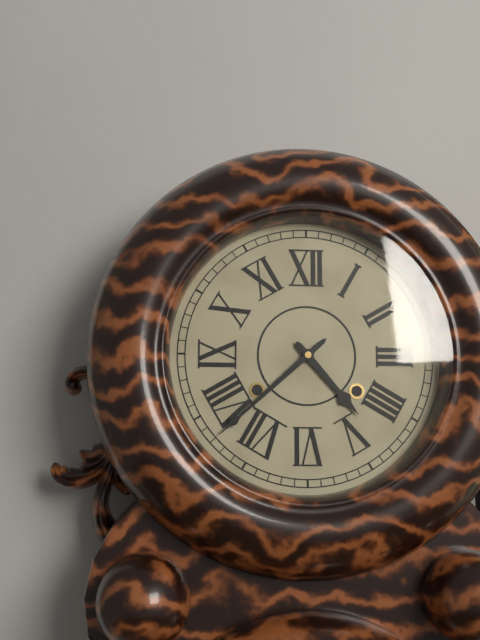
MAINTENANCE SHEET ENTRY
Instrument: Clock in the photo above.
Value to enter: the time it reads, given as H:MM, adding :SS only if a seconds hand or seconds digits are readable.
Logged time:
4:38
